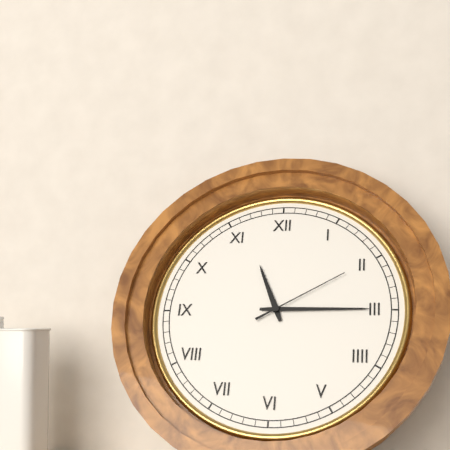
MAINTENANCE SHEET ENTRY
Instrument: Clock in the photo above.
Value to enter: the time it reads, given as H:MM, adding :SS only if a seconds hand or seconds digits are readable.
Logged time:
11:15:10
